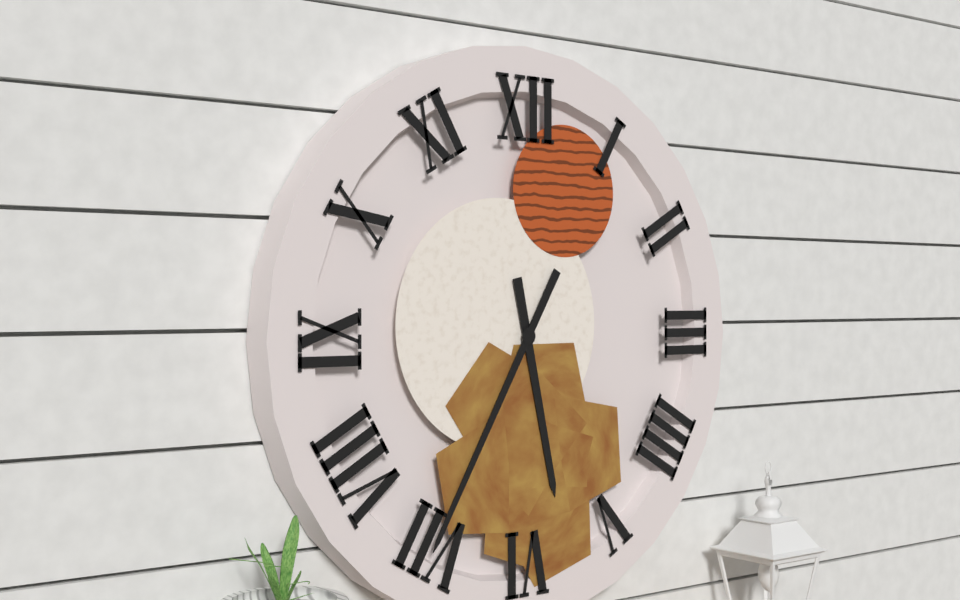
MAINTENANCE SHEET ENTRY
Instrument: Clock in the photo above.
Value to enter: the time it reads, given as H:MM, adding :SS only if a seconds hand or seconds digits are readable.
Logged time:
5:35
